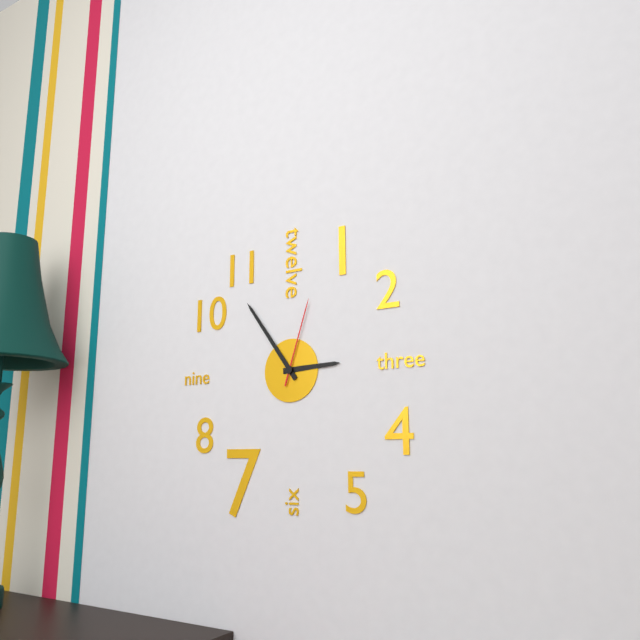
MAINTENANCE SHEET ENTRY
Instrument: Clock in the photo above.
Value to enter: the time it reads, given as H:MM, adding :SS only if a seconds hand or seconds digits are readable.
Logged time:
2:54:03
